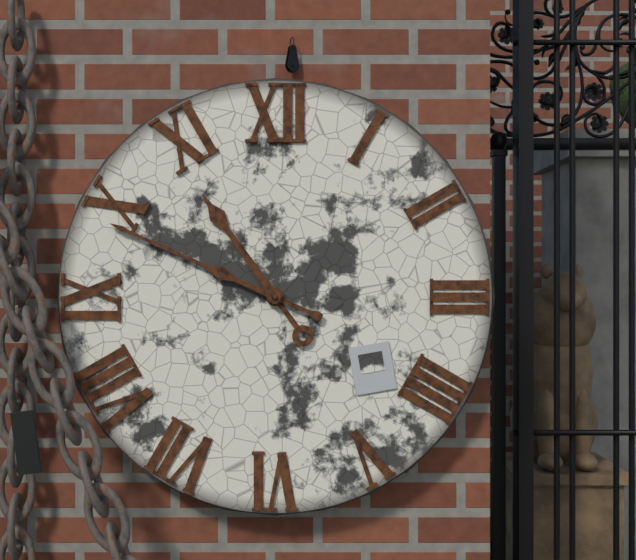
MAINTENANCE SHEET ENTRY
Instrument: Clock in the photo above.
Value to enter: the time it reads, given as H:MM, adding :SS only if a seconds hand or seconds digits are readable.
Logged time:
10:49
